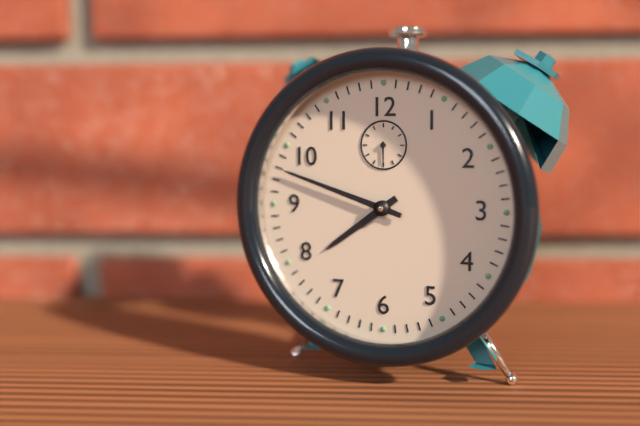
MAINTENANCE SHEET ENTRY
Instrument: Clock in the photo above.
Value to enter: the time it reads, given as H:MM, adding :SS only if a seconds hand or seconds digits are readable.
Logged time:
7:48
